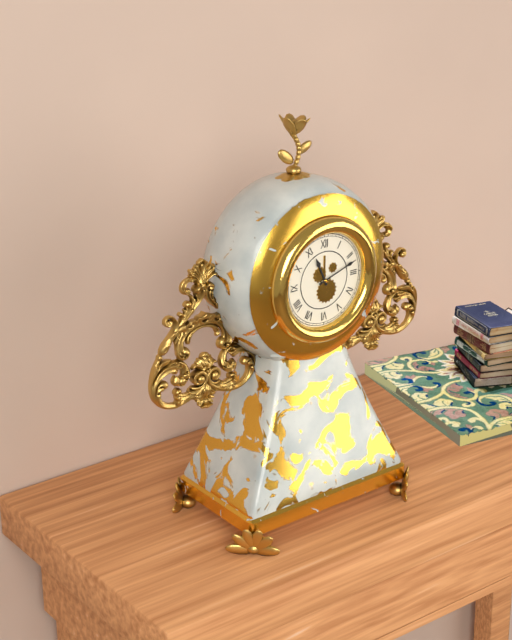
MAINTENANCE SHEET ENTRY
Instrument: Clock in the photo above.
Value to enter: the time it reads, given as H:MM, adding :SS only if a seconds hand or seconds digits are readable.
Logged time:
11:12
